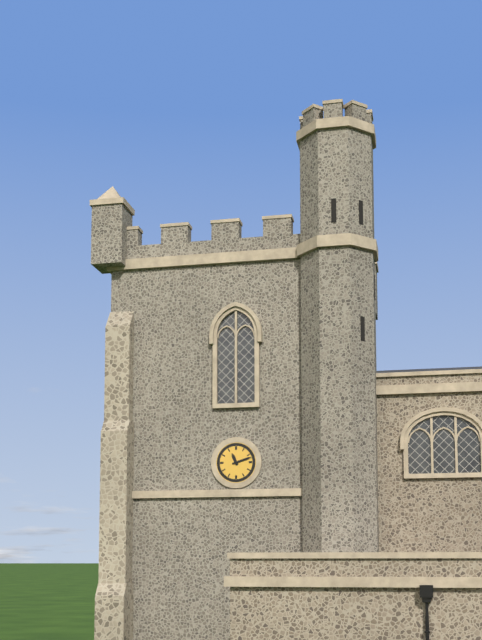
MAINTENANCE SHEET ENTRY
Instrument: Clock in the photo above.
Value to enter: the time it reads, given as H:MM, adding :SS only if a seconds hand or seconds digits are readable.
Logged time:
11:12
